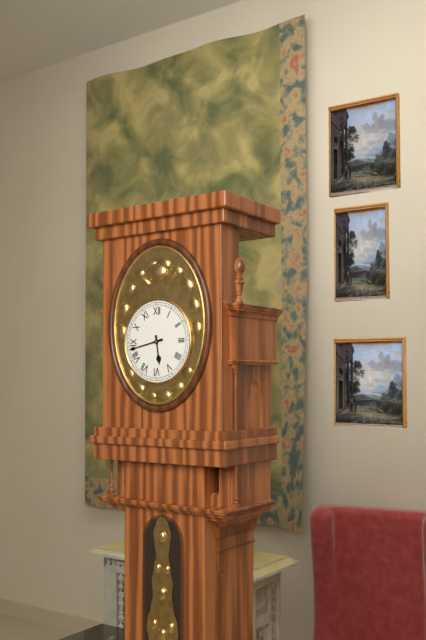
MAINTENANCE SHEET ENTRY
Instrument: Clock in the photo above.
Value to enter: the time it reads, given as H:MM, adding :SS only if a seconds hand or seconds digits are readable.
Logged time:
5:43
